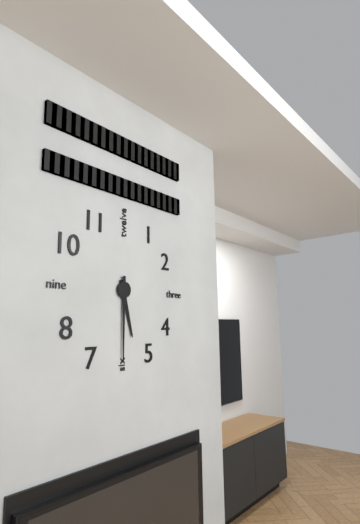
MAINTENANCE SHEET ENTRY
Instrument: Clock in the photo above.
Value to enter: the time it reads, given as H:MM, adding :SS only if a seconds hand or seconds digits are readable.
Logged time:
5:30
